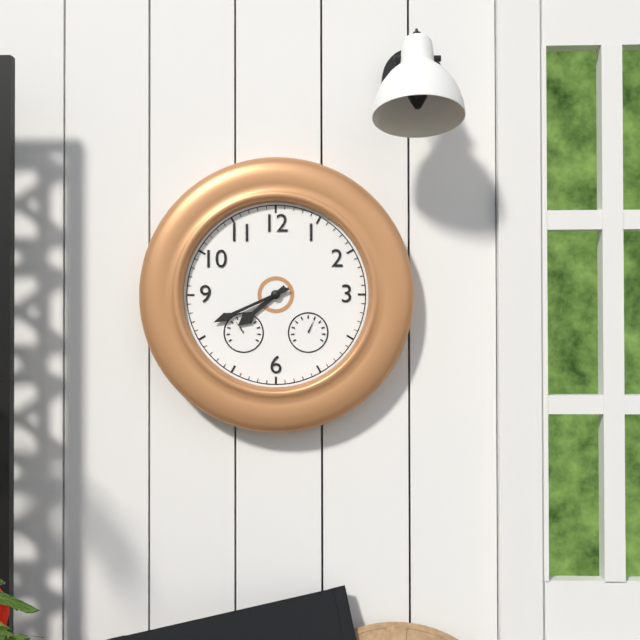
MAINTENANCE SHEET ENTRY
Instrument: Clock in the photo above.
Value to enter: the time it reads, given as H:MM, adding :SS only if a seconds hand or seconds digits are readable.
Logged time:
7:41
